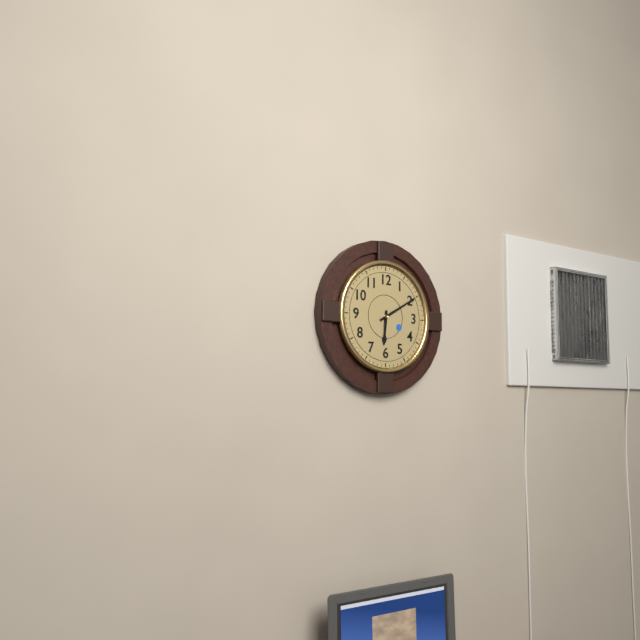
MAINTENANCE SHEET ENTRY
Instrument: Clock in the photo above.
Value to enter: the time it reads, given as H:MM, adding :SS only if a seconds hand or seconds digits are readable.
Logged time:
6:10
